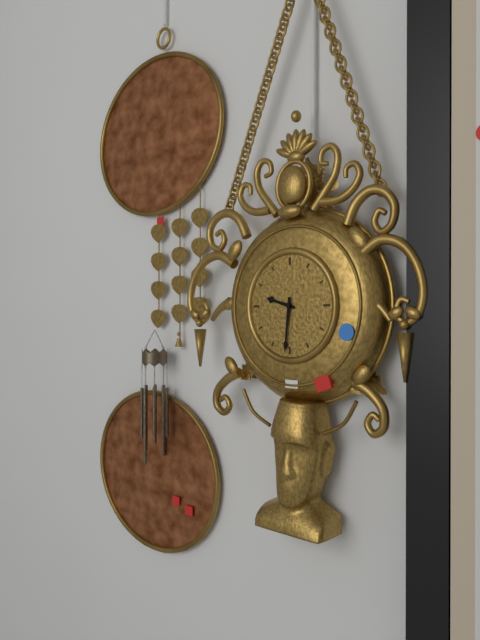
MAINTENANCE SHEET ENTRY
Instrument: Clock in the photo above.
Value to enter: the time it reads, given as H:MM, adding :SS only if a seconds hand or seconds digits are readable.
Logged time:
9:31
